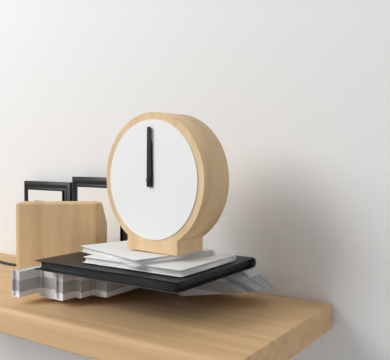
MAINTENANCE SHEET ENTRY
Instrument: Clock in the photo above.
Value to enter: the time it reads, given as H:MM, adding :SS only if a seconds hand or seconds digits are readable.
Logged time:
12:00
